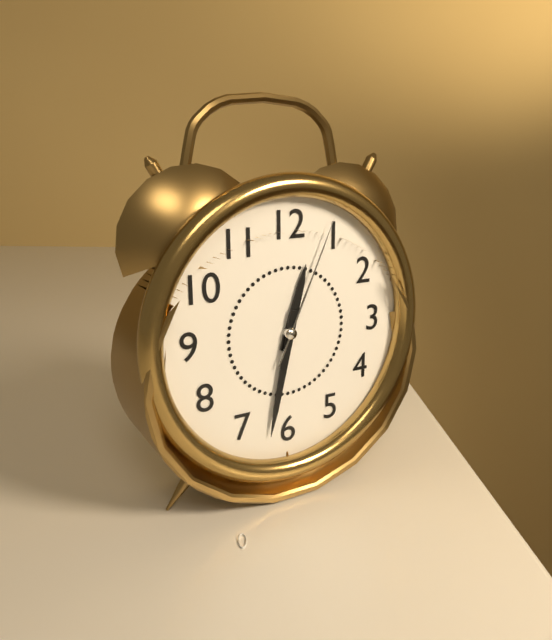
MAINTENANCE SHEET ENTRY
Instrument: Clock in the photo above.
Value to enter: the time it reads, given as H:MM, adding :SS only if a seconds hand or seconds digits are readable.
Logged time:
12:32:04
